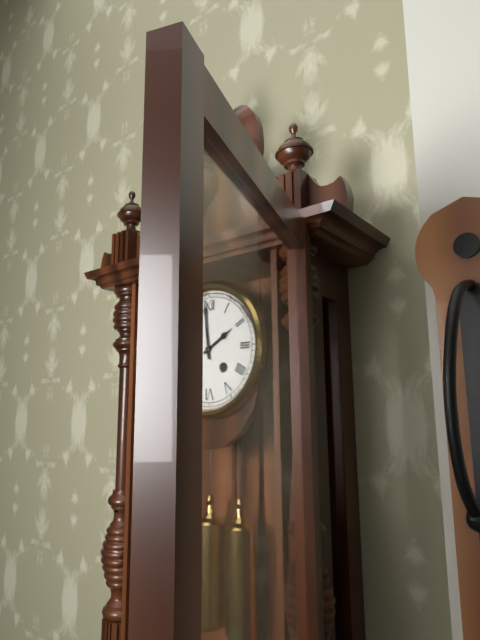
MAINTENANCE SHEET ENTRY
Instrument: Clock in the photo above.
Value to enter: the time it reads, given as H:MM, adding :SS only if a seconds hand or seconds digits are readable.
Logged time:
1:59
